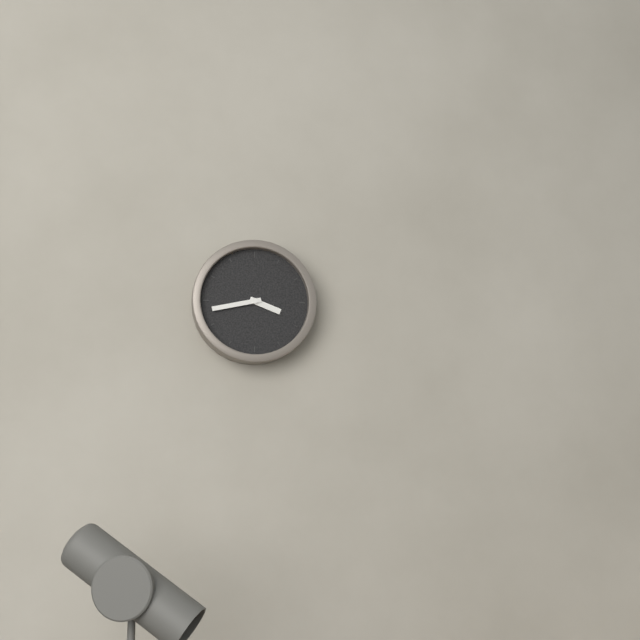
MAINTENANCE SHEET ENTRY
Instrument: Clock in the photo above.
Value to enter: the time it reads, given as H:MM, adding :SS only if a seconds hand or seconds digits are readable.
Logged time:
3:43
